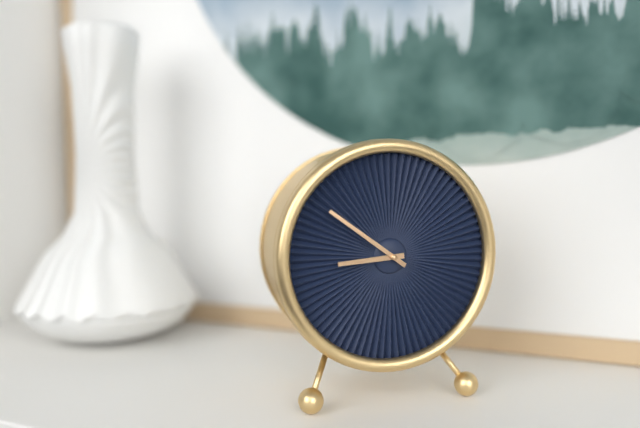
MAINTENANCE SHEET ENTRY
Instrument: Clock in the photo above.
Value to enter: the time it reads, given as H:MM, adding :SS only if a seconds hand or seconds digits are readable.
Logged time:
8:51
